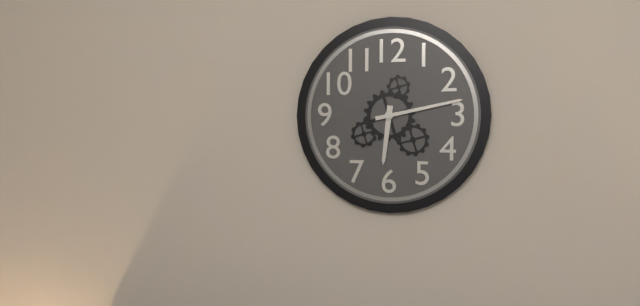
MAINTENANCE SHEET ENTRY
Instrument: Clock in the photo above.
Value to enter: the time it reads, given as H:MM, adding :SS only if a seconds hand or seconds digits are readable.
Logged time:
6:13
